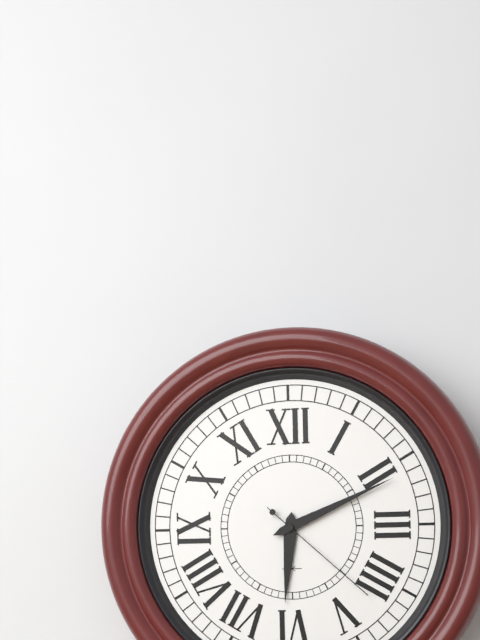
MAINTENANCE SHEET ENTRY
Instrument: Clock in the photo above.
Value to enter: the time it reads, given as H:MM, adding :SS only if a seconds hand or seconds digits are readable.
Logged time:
6:11:22
